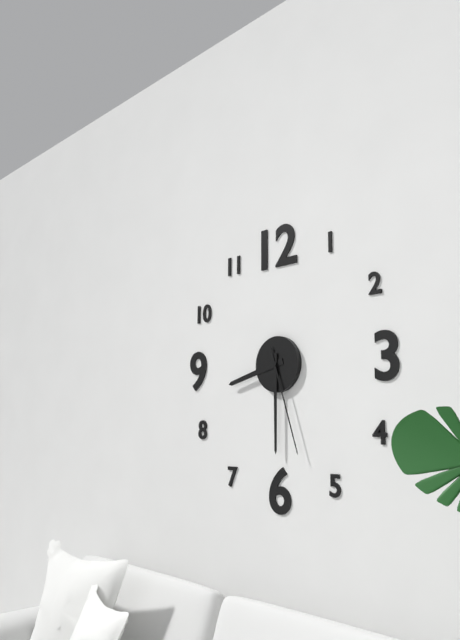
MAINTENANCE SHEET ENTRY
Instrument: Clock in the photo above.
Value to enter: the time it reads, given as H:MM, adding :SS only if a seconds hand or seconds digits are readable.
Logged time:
8:30:27
